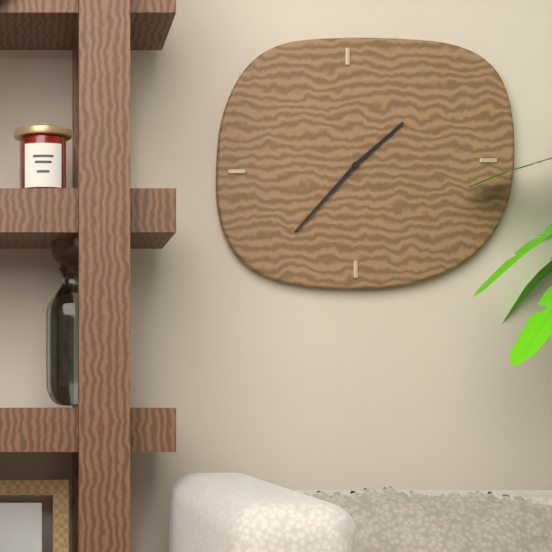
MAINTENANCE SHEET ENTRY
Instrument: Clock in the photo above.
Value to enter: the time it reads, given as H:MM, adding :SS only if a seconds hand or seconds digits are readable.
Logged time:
1:37
